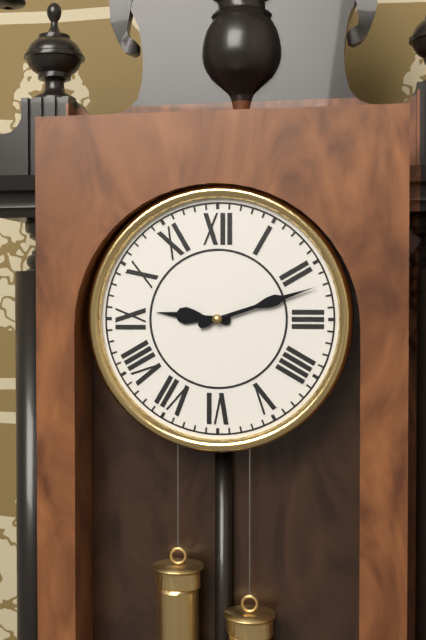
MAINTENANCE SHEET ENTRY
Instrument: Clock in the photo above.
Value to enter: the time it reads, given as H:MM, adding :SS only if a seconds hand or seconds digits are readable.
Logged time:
9:12
